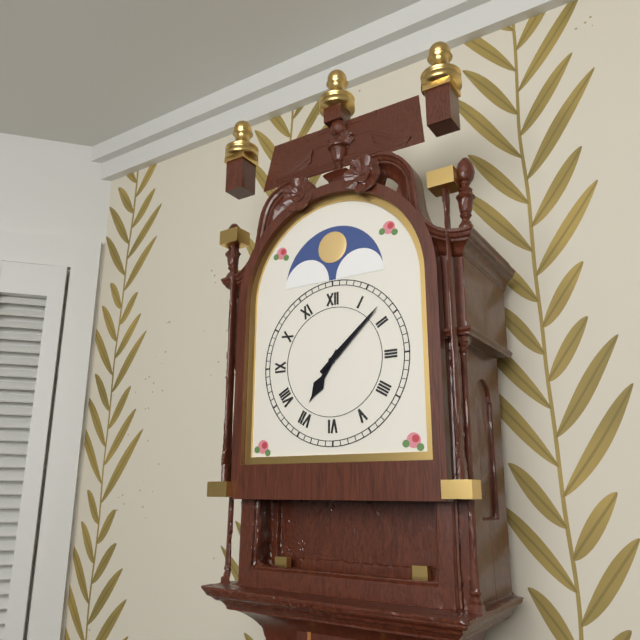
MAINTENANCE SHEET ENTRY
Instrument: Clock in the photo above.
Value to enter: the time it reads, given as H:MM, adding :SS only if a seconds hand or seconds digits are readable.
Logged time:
7:08
